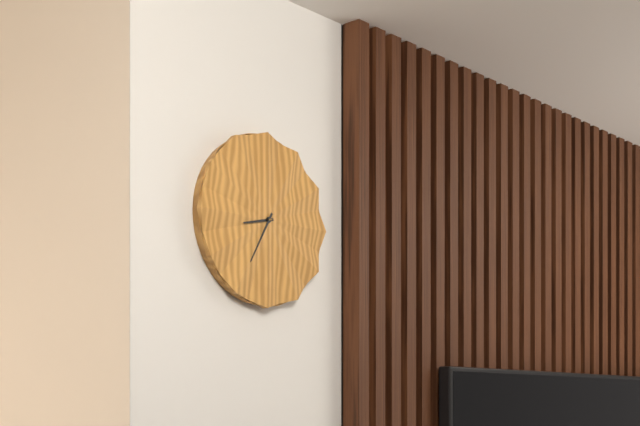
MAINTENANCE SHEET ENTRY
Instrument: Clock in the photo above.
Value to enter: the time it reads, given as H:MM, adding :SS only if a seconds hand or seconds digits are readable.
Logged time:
8:35
